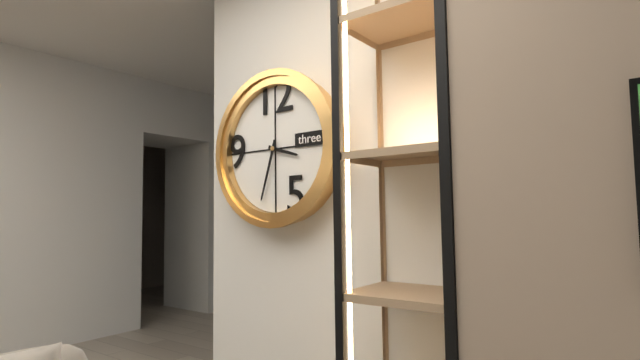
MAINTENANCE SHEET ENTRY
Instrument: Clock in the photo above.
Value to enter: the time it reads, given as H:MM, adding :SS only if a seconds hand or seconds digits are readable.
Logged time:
3:33
